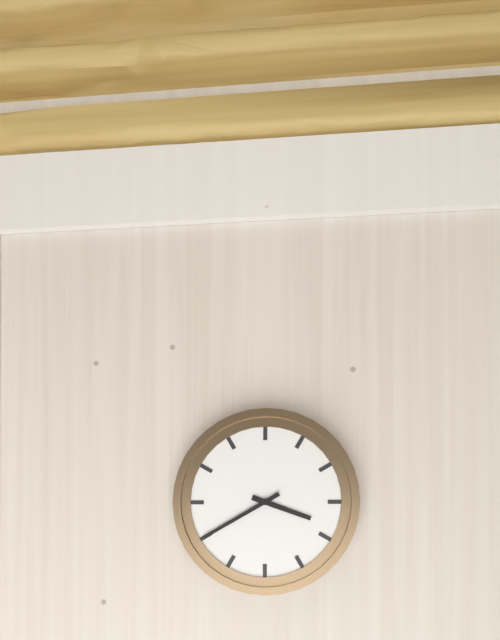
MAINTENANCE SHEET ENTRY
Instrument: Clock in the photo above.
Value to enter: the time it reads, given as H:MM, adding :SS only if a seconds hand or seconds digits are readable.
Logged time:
3:40
